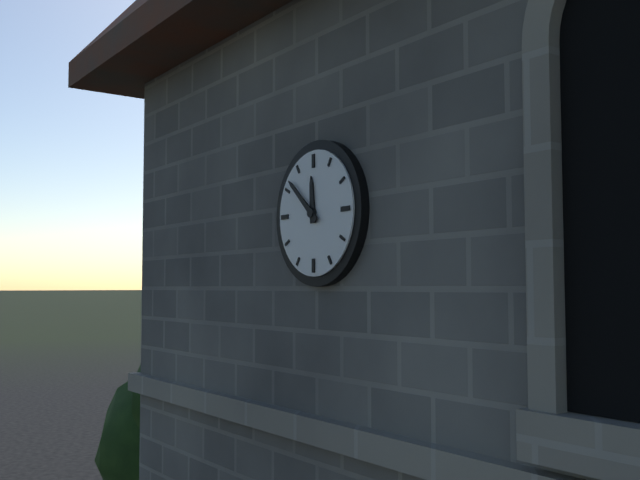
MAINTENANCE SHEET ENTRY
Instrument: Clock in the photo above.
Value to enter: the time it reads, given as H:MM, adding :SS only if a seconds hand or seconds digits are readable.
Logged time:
11:52
